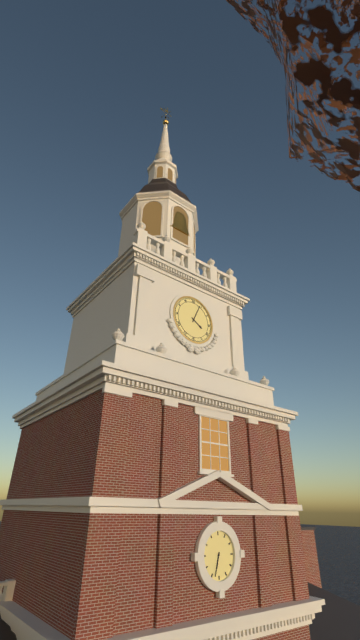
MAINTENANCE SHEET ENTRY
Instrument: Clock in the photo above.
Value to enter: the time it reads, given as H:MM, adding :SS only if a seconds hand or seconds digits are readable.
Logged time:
4:04
